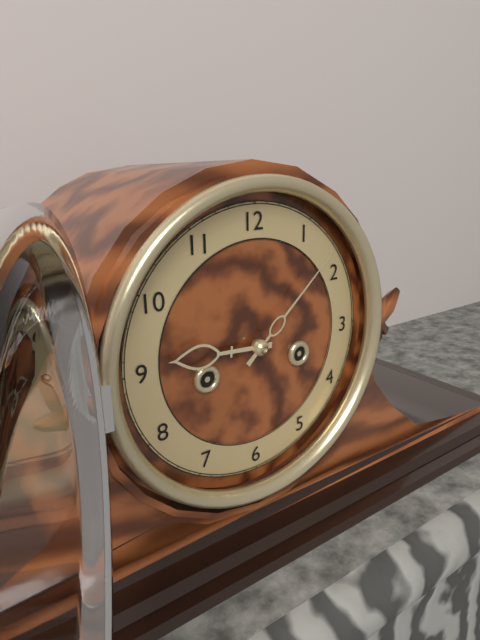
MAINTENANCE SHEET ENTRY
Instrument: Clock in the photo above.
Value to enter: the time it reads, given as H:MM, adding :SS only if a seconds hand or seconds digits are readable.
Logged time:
9:08
